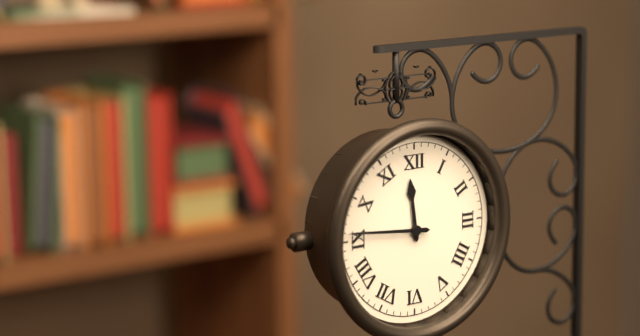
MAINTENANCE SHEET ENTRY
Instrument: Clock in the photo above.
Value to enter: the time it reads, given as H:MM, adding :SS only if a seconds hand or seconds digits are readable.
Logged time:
11:46
